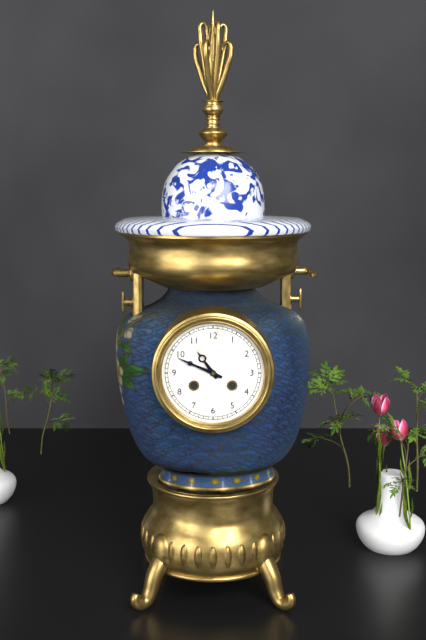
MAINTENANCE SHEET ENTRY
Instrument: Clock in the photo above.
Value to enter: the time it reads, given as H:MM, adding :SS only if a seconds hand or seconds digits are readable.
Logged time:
10:49
